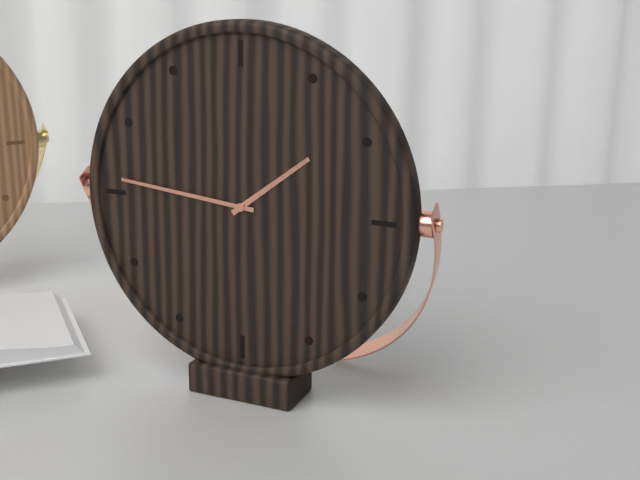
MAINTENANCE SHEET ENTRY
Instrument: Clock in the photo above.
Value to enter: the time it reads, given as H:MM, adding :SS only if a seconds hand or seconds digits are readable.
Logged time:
1:46
